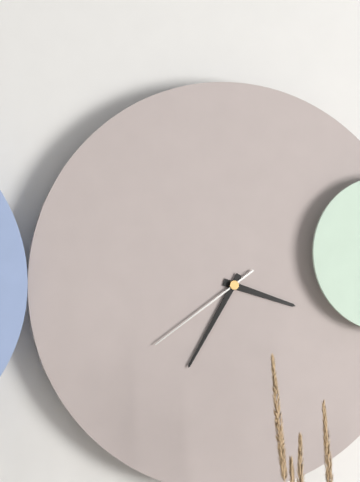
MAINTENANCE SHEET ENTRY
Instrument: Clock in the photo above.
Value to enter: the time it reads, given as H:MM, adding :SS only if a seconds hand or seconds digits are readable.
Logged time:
3:35:39
